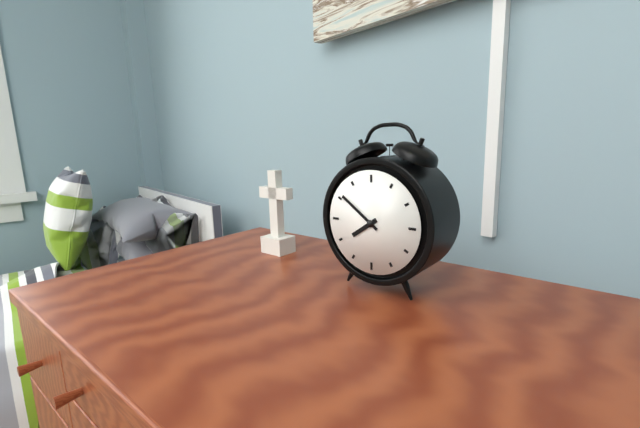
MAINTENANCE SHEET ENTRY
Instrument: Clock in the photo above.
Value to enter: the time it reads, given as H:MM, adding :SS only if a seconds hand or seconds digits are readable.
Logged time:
7:51
